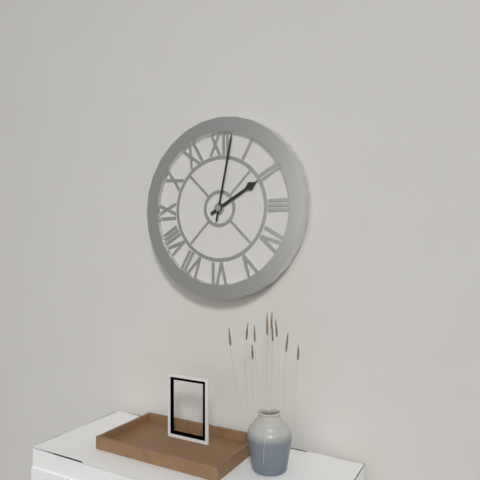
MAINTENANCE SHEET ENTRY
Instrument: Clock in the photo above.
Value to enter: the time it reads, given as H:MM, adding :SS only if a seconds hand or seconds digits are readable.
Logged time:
2:02
